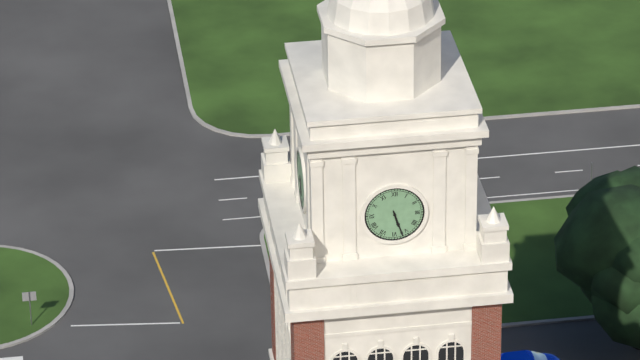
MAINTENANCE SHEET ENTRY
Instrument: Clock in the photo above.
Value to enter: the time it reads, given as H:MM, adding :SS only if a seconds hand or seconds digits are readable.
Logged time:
5:27
